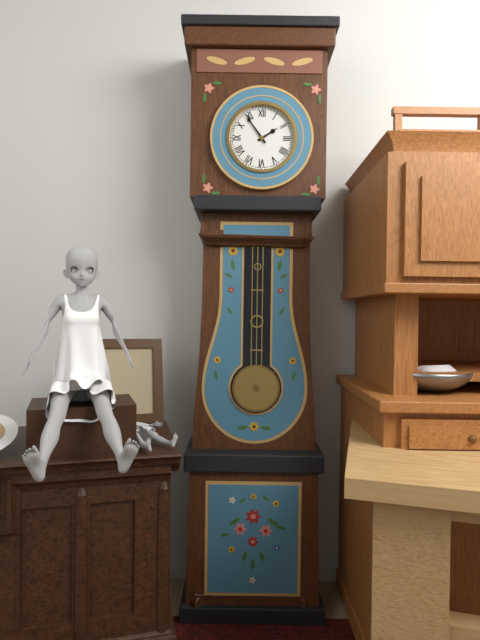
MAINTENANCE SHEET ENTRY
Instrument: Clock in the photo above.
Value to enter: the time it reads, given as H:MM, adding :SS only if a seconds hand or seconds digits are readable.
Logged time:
1:54
